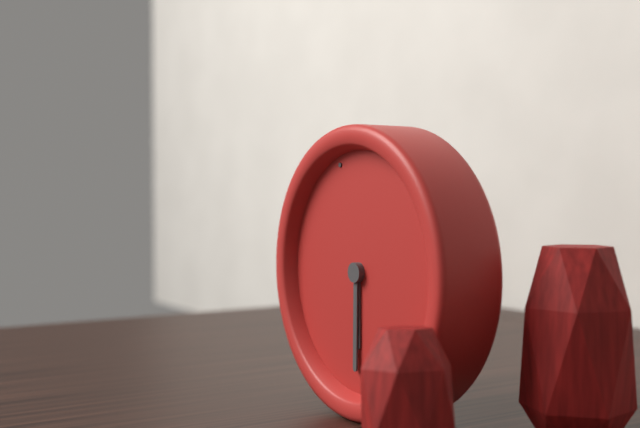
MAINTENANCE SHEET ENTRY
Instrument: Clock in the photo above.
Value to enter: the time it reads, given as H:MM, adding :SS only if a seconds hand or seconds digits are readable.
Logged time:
6:33
